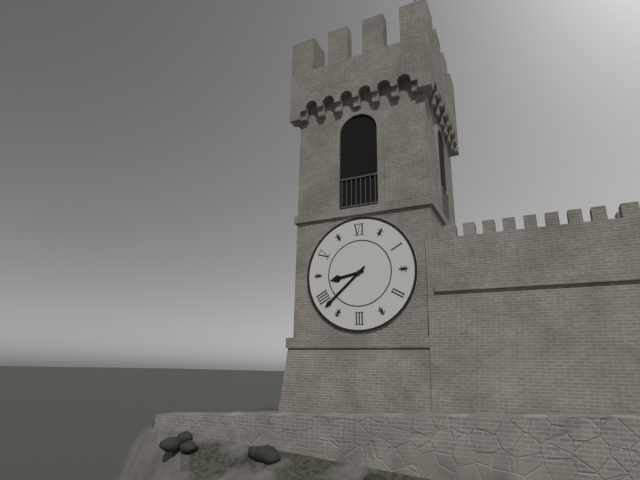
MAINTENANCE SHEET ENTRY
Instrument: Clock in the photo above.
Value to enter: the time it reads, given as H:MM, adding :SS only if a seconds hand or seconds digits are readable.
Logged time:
8:38
